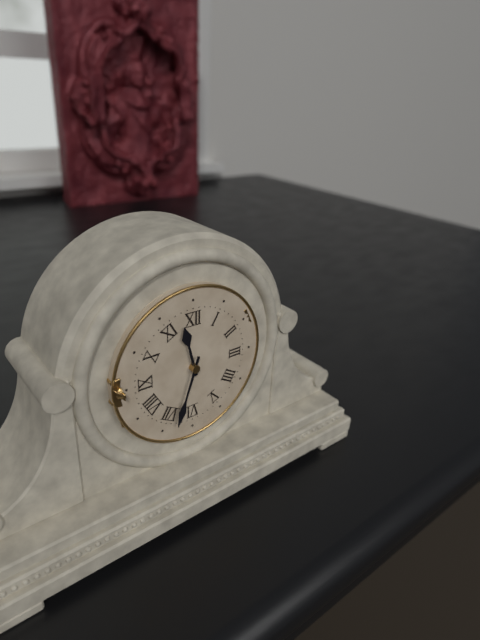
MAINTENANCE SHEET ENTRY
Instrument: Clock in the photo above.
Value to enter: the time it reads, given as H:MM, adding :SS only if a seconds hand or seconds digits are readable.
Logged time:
11:33
